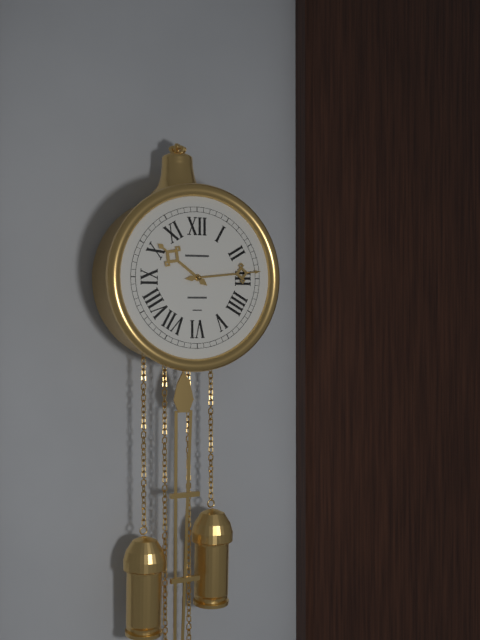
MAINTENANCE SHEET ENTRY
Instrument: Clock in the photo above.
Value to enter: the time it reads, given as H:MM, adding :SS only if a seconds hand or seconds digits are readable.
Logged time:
10:14
